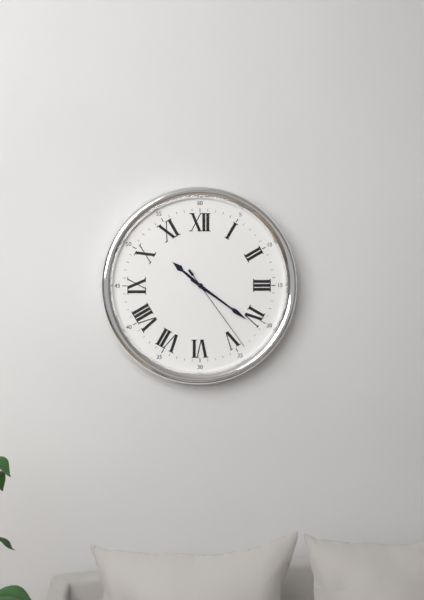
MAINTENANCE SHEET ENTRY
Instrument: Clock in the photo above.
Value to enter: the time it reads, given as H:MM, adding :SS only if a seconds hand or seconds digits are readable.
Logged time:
10:21:24
